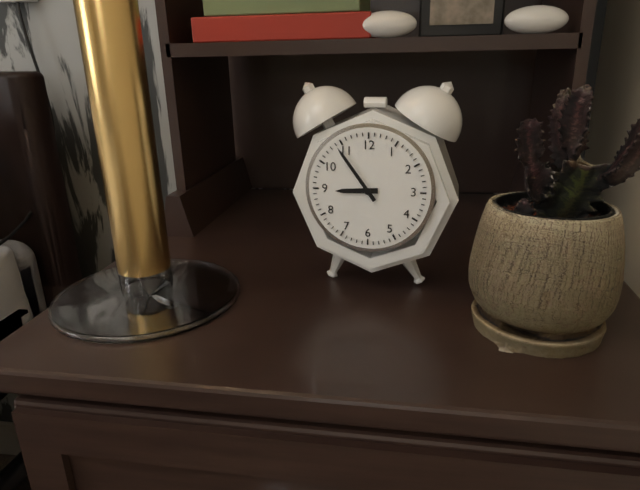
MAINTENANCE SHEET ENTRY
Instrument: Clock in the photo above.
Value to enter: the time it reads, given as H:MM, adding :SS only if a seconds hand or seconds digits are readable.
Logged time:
8:54
